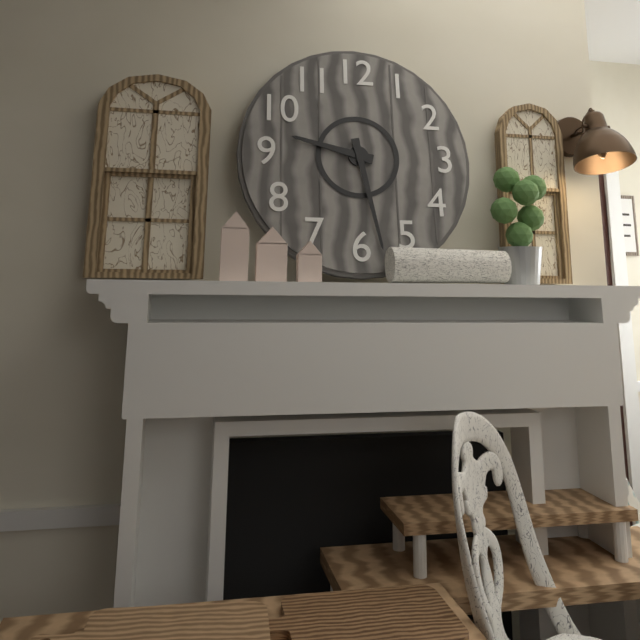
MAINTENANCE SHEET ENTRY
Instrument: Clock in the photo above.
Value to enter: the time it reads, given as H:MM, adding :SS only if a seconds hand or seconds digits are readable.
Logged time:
9:28
